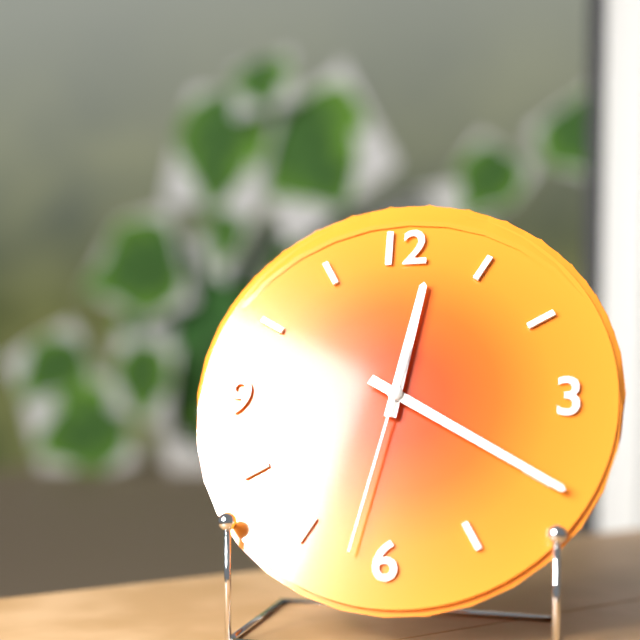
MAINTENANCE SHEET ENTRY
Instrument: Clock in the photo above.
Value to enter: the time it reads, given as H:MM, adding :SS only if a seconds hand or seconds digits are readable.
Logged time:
12:20:32
